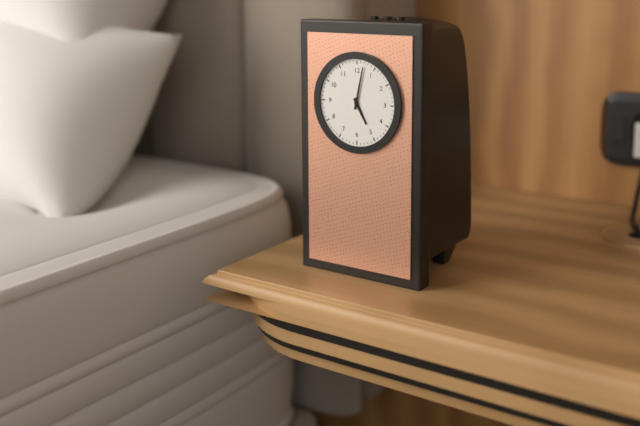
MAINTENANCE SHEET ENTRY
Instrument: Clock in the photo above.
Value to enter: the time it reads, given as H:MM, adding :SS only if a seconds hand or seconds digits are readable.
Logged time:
5:02
